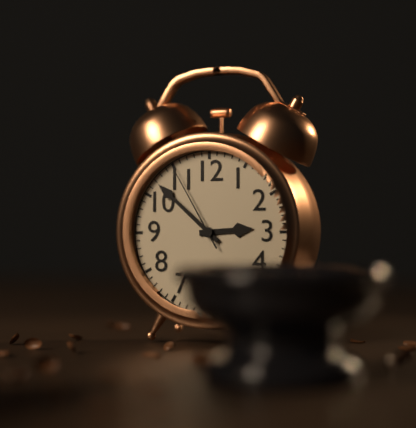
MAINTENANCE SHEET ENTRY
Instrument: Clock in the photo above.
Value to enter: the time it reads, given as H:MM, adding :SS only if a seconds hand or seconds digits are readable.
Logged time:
2:52:55
